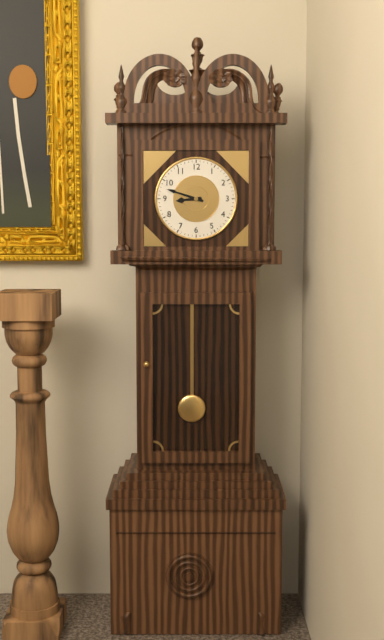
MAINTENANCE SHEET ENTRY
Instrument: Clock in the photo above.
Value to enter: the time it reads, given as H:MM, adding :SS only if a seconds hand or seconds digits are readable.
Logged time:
8:48
